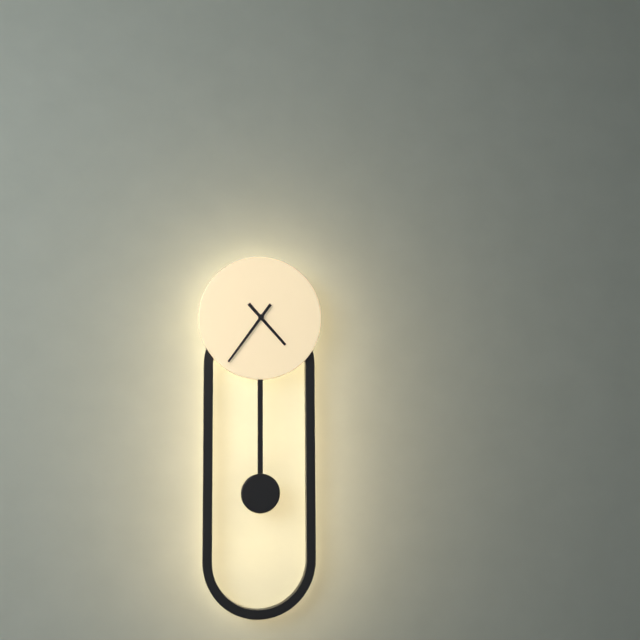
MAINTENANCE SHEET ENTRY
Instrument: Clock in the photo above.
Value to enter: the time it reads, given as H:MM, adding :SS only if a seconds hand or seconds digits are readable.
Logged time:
4:36
